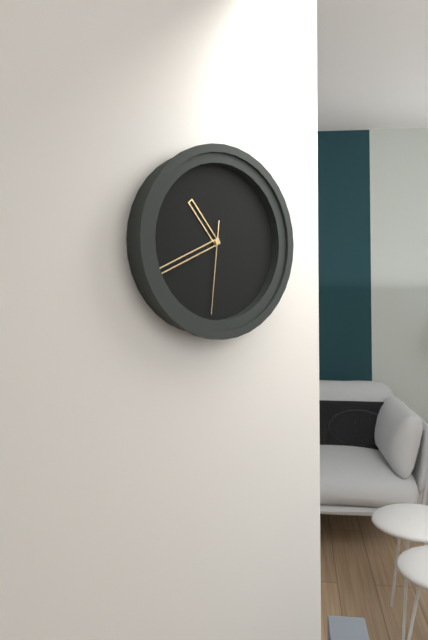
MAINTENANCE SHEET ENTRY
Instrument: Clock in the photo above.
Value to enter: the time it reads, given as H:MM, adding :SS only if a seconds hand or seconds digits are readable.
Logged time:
10:41:31
